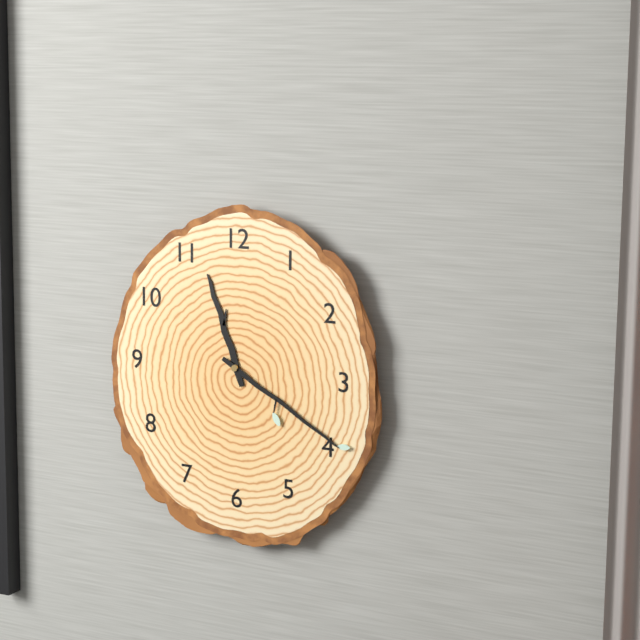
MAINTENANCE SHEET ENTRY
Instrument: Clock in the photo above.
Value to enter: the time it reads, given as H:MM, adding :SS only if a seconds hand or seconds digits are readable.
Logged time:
11:20
